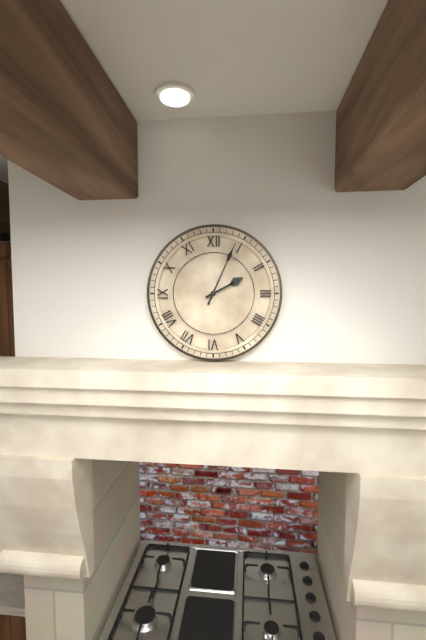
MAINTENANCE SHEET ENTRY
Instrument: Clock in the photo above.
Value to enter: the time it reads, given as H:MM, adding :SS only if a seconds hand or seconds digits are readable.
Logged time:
2:04
